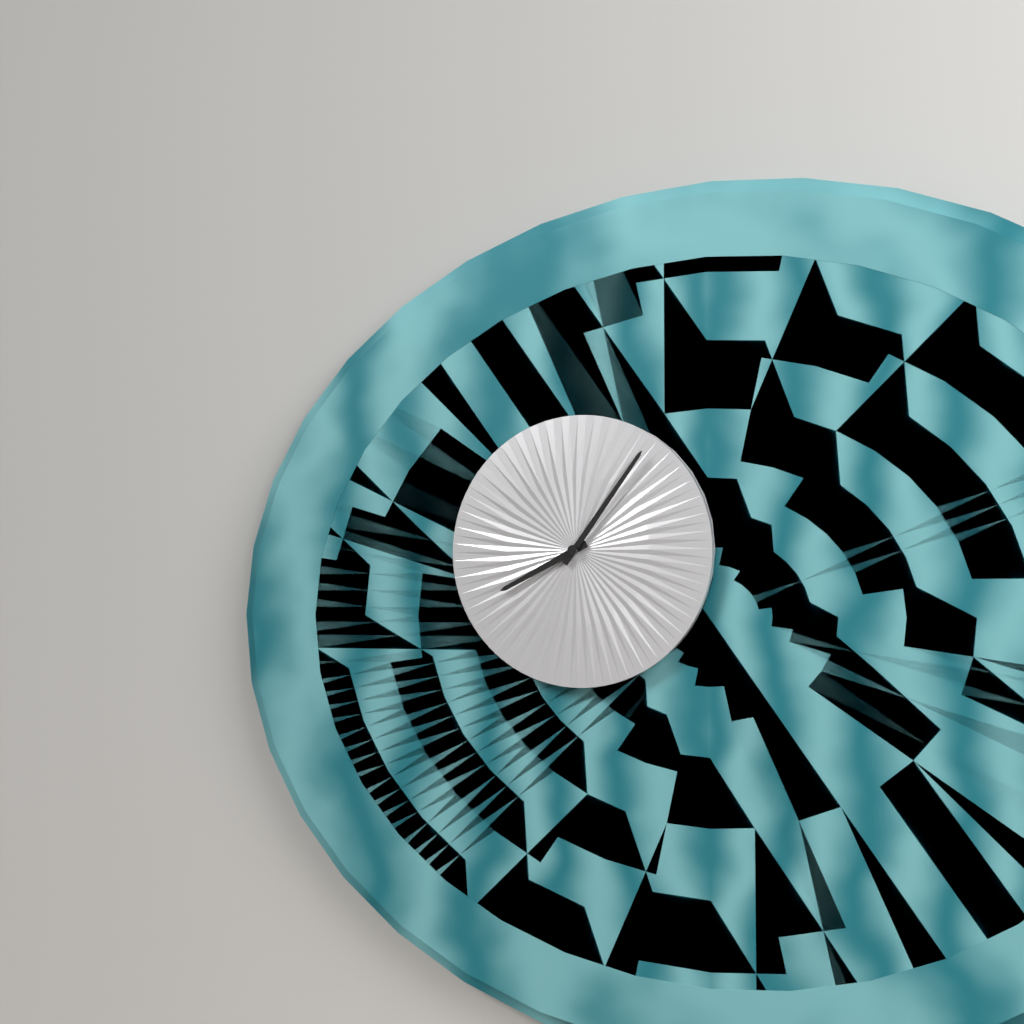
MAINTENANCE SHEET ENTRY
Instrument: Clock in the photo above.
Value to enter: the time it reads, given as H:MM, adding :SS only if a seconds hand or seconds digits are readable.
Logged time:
8:06
